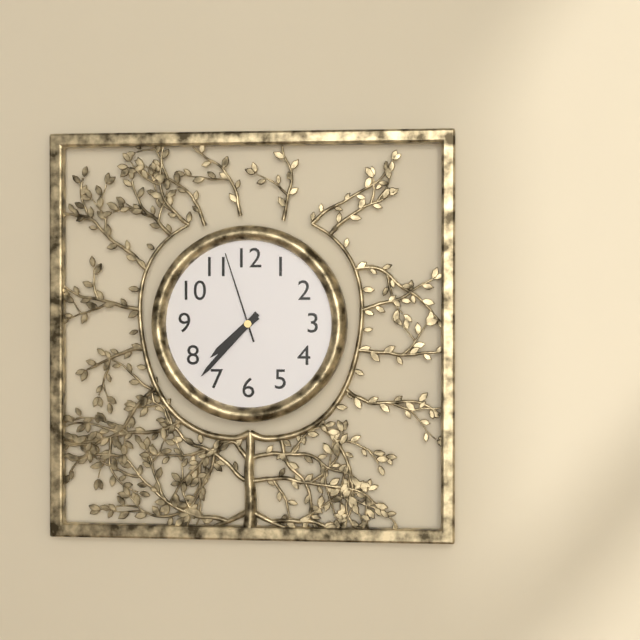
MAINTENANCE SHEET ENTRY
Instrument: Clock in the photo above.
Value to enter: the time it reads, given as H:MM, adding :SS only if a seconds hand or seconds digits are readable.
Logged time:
7:37:57
